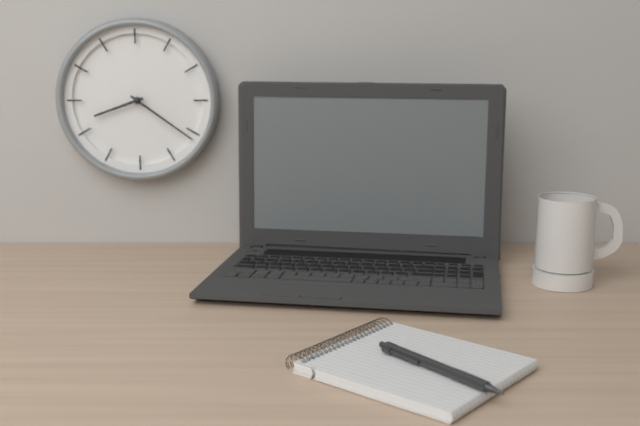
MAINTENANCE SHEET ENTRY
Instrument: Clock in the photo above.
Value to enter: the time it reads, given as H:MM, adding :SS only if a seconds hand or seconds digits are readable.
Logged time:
8:21
